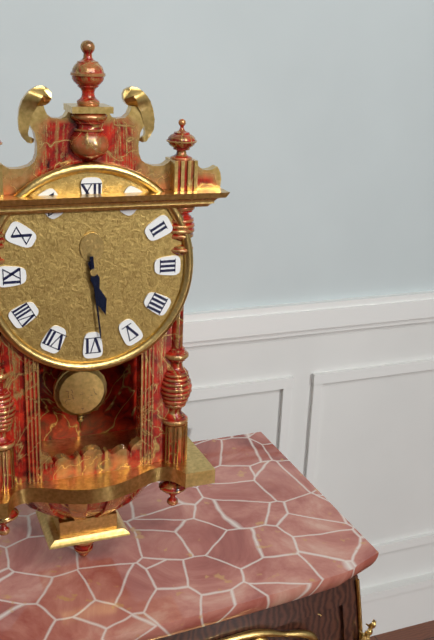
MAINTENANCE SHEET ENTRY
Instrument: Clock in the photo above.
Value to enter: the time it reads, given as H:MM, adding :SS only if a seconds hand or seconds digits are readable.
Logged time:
5:29
